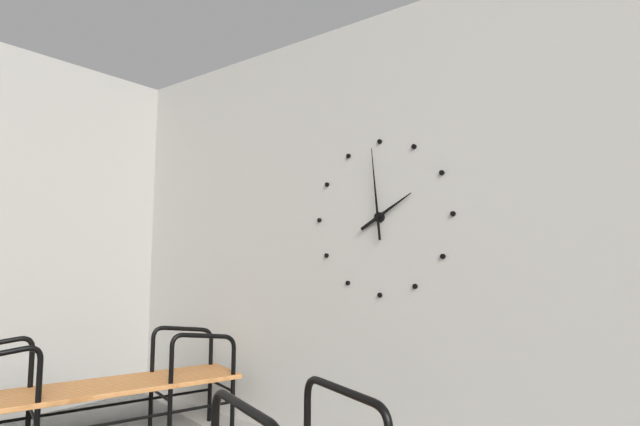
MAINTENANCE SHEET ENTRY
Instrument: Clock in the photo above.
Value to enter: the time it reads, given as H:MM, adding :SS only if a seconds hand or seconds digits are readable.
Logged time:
1:59
